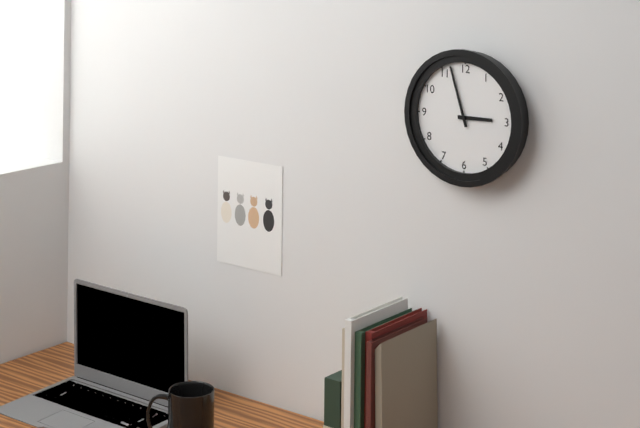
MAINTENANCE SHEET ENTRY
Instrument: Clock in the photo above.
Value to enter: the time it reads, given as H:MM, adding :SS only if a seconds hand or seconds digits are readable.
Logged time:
2:57
